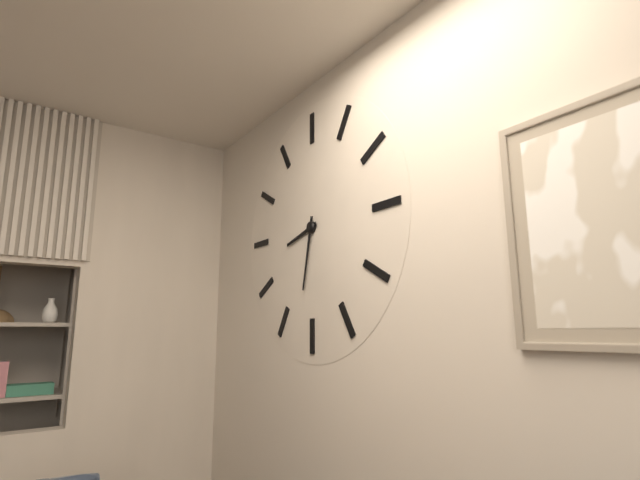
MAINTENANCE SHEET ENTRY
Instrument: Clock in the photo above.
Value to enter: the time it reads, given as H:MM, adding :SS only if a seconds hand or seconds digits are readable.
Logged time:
8:32
